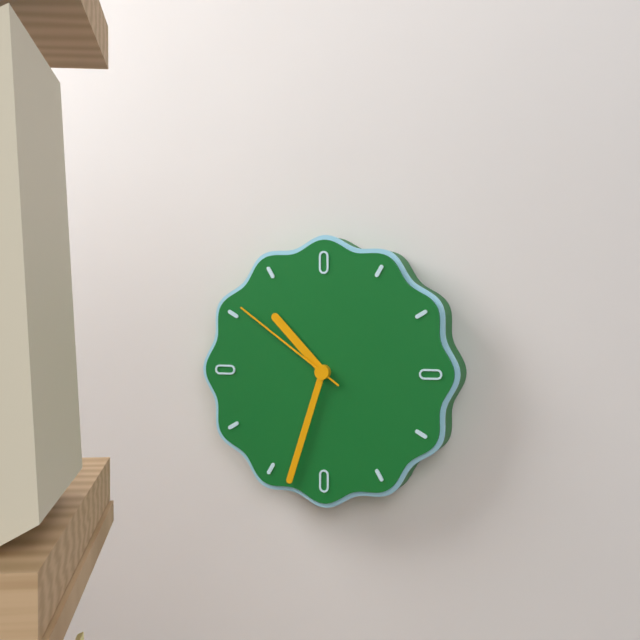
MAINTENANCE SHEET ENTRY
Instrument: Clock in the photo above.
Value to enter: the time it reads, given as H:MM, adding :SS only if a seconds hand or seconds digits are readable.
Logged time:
10:33:51
